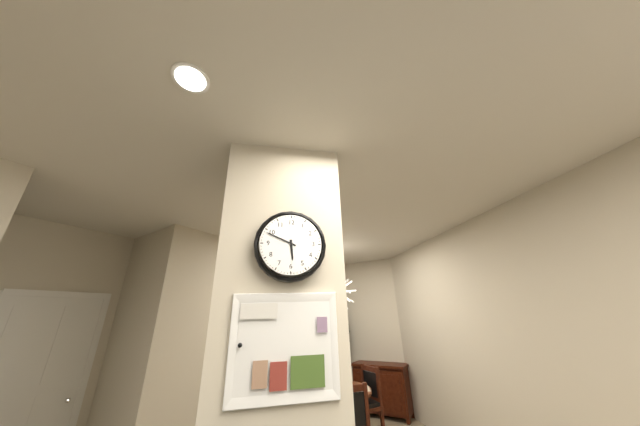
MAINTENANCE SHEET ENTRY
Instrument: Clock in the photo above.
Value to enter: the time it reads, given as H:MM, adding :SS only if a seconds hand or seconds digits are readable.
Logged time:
5:49
